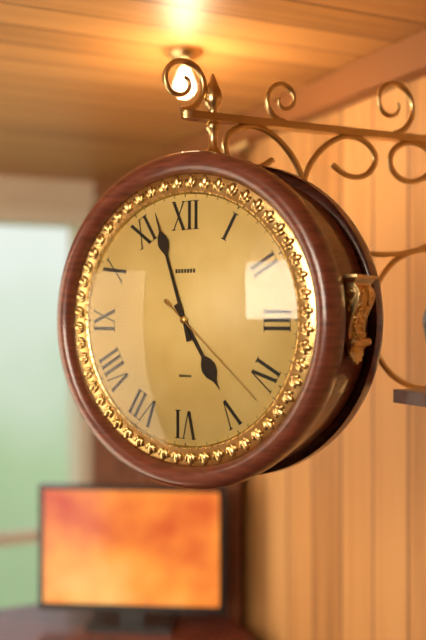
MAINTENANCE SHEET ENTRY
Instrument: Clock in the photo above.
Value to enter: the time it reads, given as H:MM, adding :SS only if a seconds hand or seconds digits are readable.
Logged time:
4:57:22
